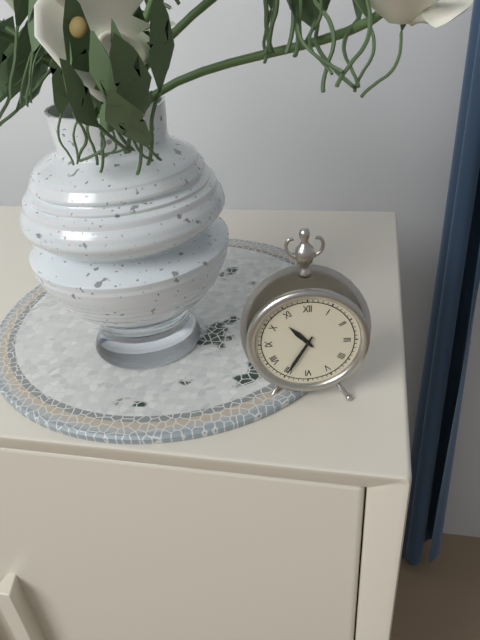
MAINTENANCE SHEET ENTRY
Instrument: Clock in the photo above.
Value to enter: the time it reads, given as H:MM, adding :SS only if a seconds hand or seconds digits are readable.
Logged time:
10:35
